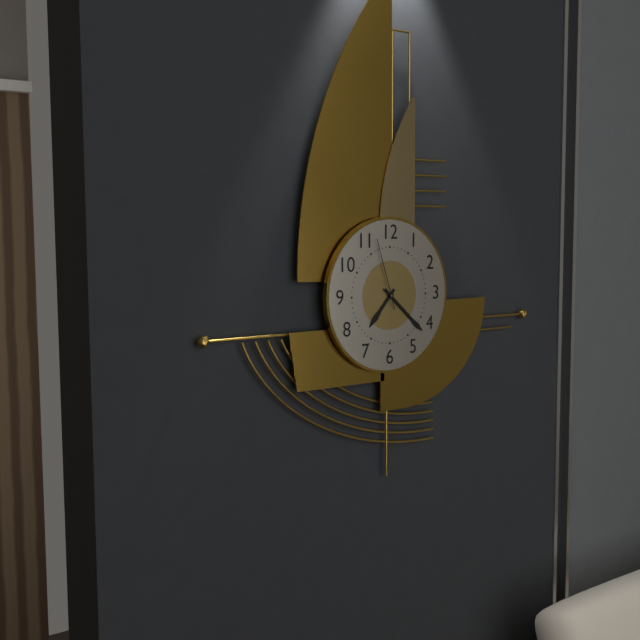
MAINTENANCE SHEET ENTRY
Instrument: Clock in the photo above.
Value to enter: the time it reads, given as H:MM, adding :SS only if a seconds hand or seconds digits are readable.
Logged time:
7:22:57
